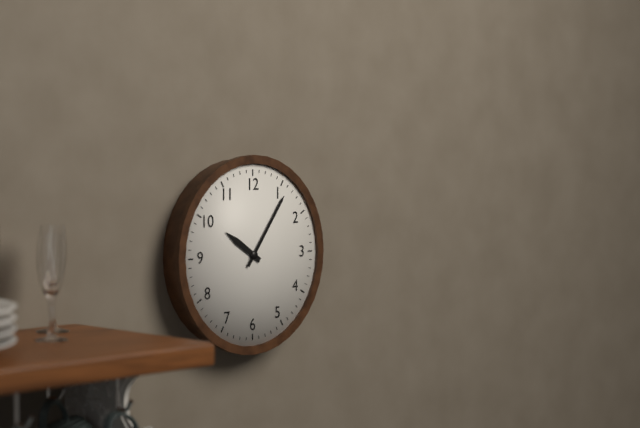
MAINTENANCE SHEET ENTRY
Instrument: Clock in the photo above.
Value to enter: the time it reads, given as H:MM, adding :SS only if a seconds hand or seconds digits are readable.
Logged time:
10:06
